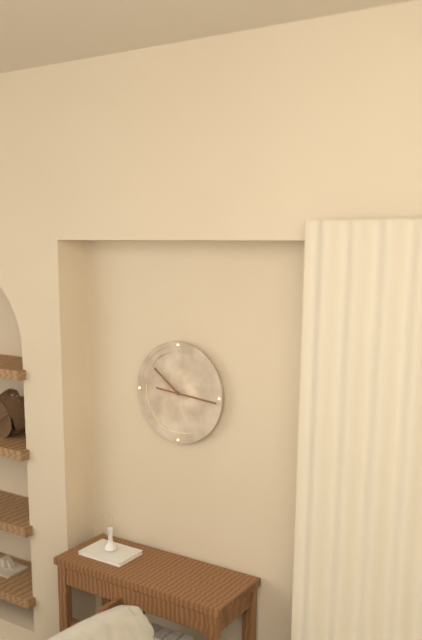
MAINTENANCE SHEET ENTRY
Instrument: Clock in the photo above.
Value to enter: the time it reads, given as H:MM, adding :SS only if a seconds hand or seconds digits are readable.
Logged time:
10:16
